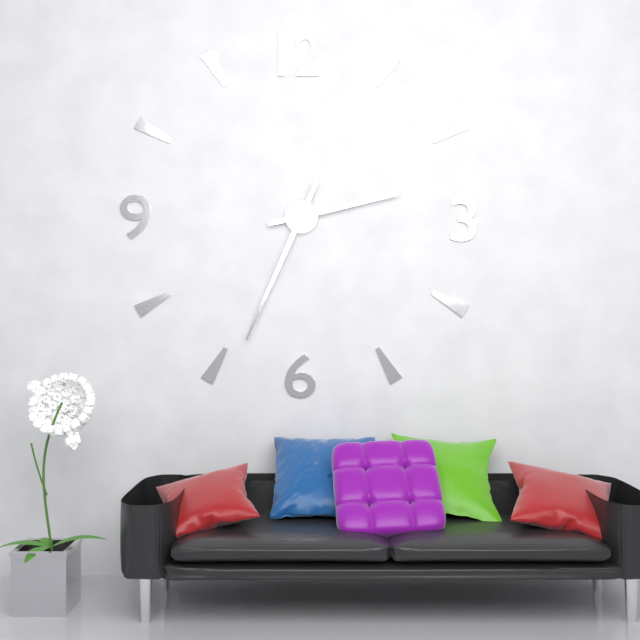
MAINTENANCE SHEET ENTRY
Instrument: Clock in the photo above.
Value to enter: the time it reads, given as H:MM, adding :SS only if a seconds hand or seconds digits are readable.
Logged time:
2:34
